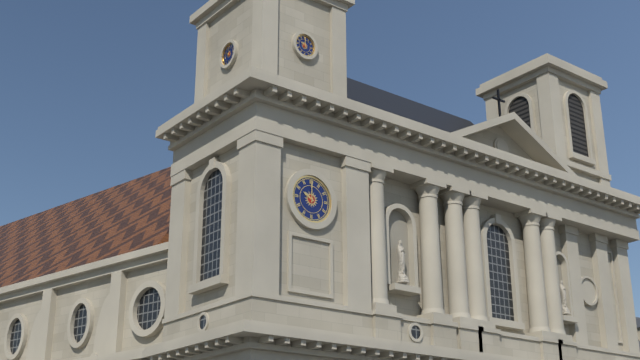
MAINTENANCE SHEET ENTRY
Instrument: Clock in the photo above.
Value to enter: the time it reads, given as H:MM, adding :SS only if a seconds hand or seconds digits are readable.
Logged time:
10:00
